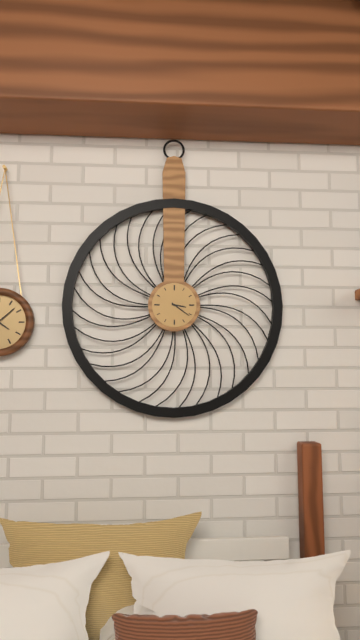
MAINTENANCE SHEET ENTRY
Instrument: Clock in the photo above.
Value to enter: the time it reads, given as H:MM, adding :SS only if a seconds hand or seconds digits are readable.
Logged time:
3:21
